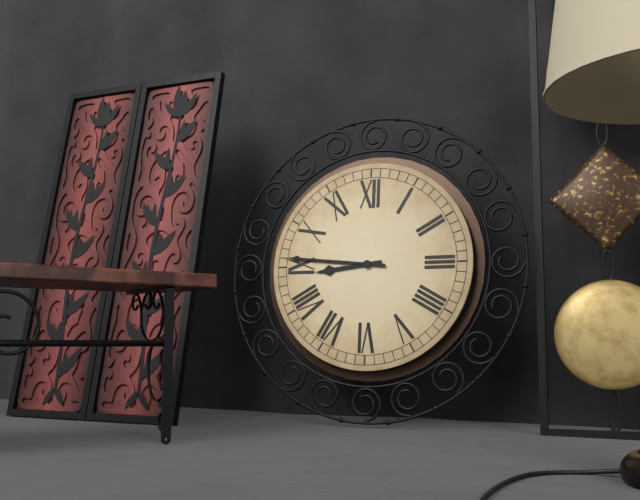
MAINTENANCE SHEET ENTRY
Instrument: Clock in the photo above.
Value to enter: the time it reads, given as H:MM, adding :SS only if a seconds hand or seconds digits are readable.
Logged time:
8:46
